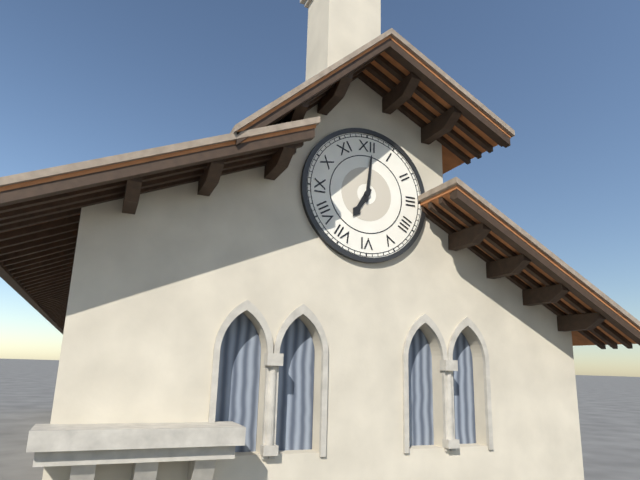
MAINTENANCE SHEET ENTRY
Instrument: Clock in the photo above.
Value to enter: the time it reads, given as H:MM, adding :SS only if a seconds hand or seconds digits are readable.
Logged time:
7:01
